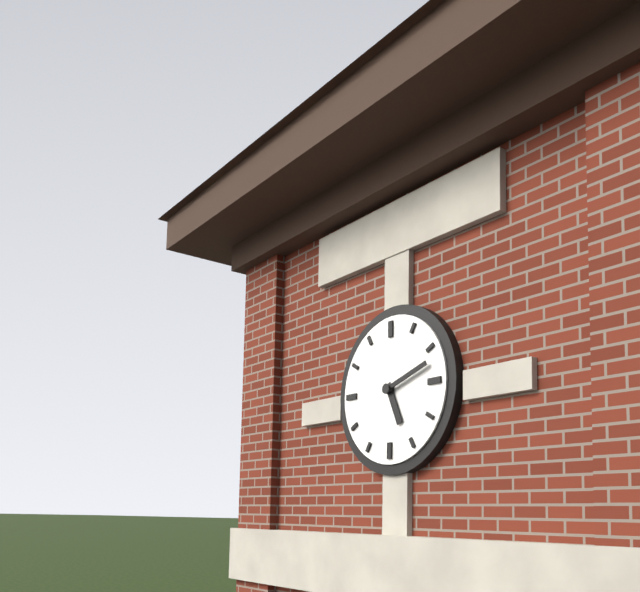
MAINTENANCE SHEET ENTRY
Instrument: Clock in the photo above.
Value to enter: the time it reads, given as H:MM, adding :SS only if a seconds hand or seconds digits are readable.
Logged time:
5:12
